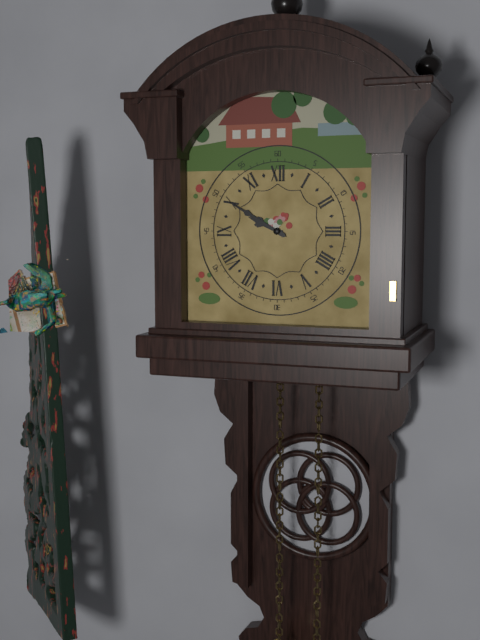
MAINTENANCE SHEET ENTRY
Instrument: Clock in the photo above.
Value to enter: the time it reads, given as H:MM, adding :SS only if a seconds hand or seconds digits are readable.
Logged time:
9:50
